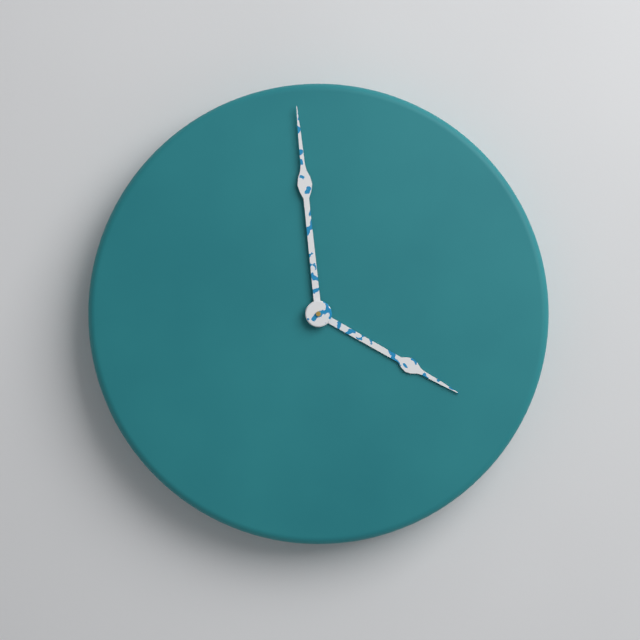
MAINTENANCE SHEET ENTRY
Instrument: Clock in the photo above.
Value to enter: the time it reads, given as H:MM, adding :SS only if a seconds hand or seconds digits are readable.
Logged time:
3:59
